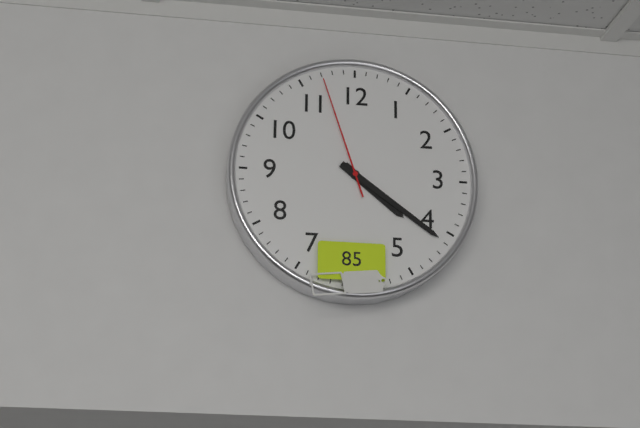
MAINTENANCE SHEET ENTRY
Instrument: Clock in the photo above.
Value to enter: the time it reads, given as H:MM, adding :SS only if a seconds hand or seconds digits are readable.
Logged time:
4:21:57
